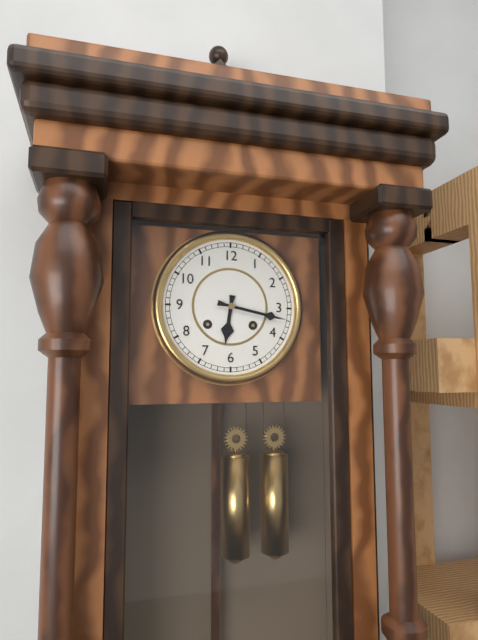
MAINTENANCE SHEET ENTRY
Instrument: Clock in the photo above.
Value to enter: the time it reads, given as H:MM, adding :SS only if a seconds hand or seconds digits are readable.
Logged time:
6:17
